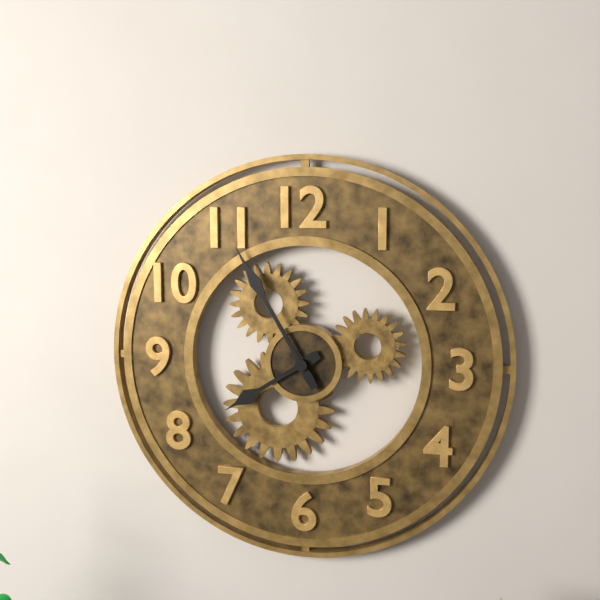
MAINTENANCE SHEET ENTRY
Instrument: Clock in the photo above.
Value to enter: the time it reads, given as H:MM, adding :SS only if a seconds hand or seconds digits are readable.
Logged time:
7:55
